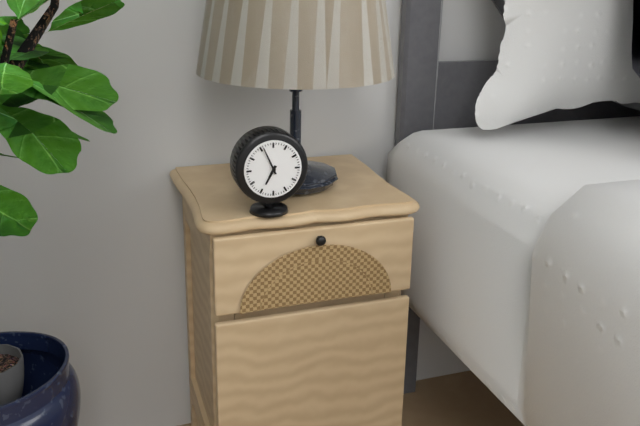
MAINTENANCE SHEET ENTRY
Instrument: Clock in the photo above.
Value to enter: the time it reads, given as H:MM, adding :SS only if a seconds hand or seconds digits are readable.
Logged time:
6:56
